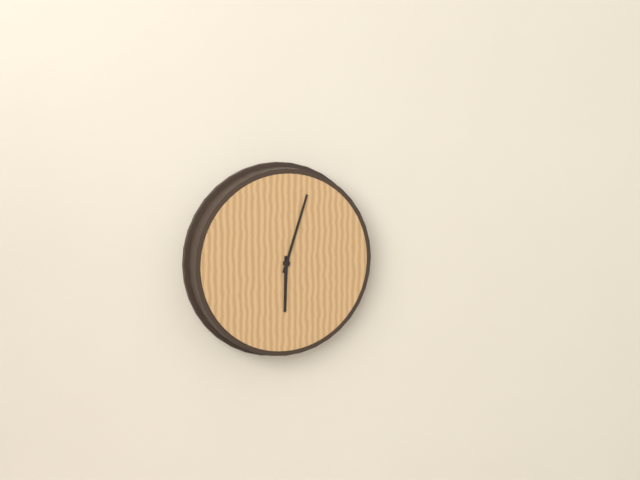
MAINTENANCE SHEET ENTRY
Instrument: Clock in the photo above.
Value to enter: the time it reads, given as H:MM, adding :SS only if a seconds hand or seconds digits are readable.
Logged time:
6:03
